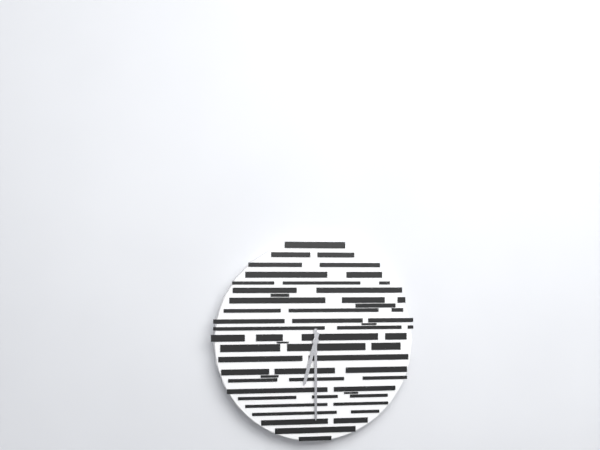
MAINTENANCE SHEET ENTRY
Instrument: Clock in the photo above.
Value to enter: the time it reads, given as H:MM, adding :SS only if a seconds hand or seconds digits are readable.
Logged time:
6:30
